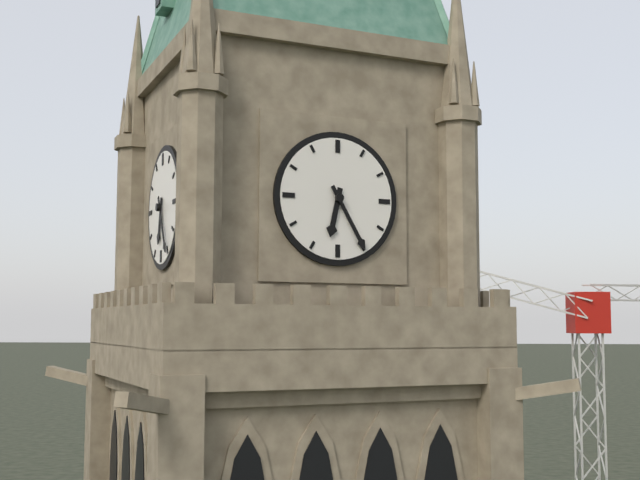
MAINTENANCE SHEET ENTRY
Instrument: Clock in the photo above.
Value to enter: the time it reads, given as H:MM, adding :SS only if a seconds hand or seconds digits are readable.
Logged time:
6:25
